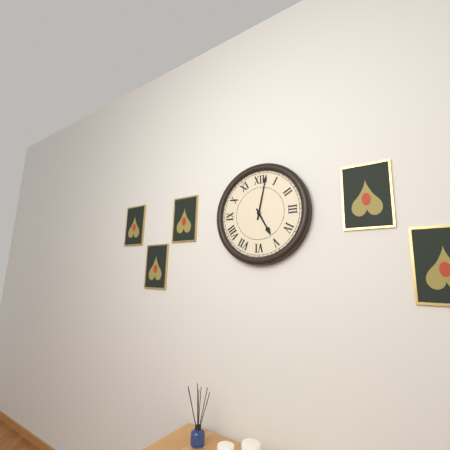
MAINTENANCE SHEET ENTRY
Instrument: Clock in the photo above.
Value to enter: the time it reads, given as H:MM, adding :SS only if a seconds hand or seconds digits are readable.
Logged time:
5:02
